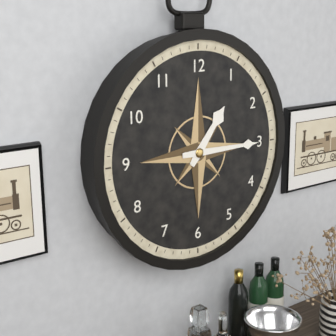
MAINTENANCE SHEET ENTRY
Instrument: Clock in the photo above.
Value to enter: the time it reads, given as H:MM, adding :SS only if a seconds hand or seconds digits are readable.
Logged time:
1:15
